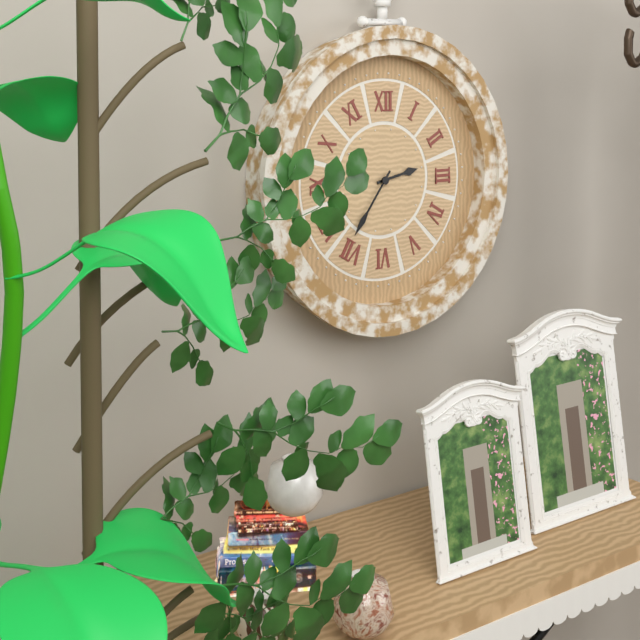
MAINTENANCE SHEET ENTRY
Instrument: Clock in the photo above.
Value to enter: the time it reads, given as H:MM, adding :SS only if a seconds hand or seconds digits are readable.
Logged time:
2:36
